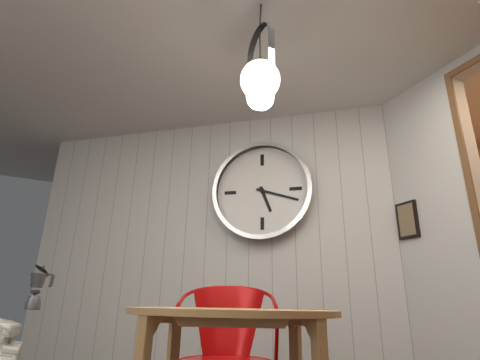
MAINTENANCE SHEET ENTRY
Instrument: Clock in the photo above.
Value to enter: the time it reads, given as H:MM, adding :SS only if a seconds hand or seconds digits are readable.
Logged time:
5:18
